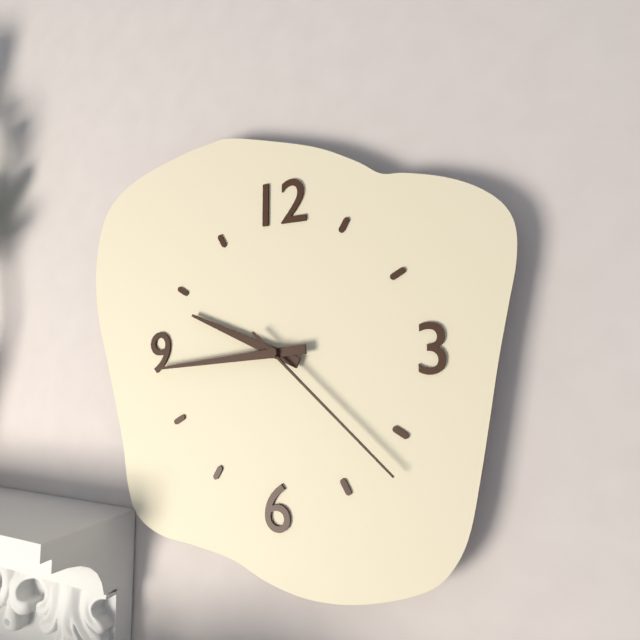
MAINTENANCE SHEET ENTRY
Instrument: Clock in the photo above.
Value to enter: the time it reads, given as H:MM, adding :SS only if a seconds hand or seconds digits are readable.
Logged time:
9:44:22
